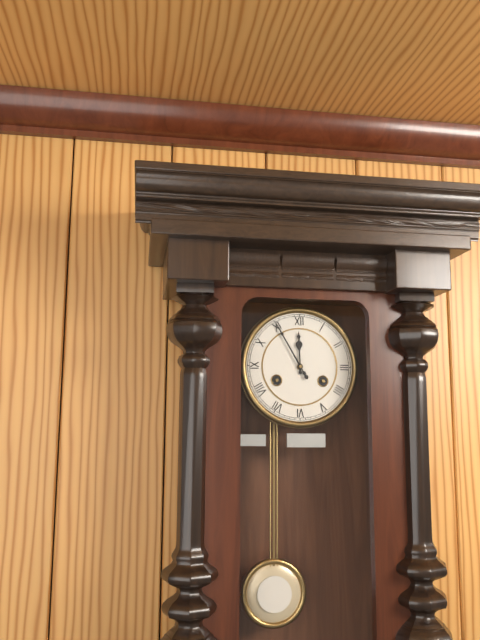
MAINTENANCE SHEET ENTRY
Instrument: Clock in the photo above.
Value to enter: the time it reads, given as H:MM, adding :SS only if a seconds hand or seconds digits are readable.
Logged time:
11:55
